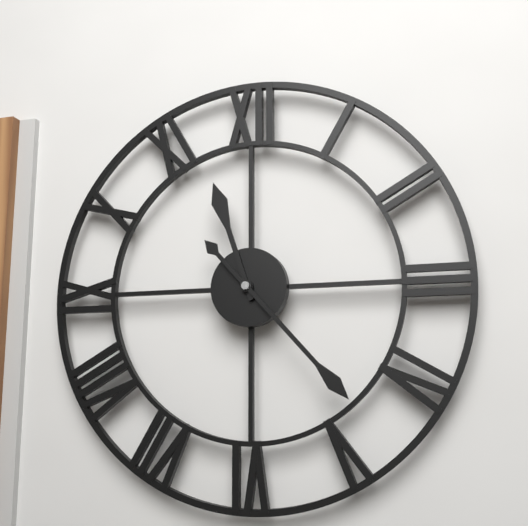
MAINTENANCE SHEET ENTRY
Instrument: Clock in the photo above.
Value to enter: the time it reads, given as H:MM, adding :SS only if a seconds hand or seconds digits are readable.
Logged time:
11:23
